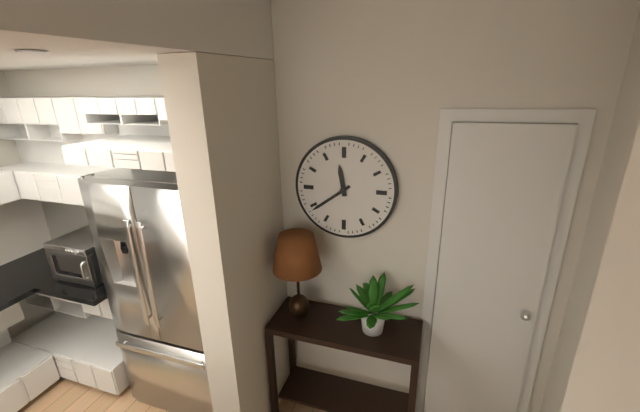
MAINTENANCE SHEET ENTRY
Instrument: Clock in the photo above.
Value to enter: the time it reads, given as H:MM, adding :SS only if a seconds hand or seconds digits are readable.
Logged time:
11:39
